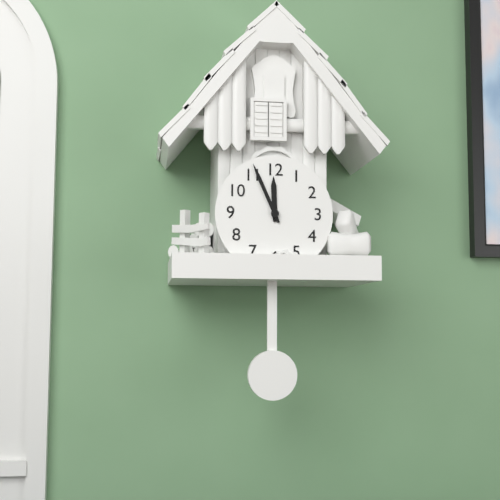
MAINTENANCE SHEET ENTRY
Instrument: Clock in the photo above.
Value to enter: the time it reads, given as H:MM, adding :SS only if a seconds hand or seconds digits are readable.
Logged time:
11:56
